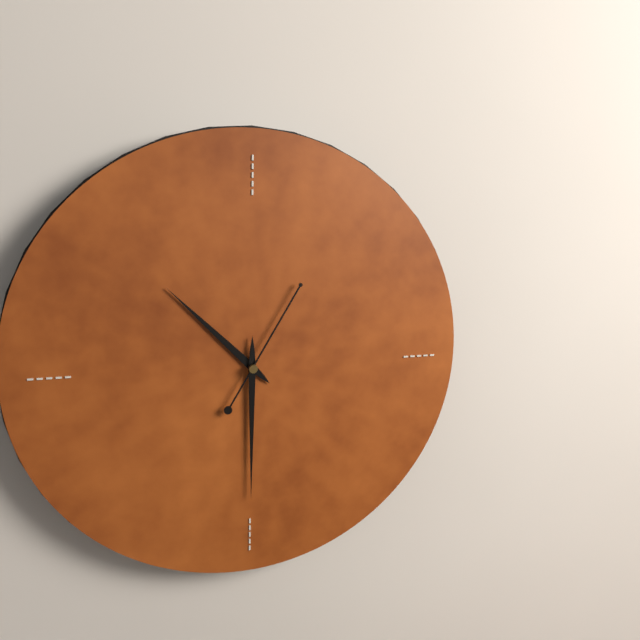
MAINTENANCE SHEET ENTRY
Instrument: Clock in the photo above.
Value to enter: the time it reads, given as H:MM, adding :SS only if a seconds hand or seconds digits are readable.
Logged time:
10:30:05
